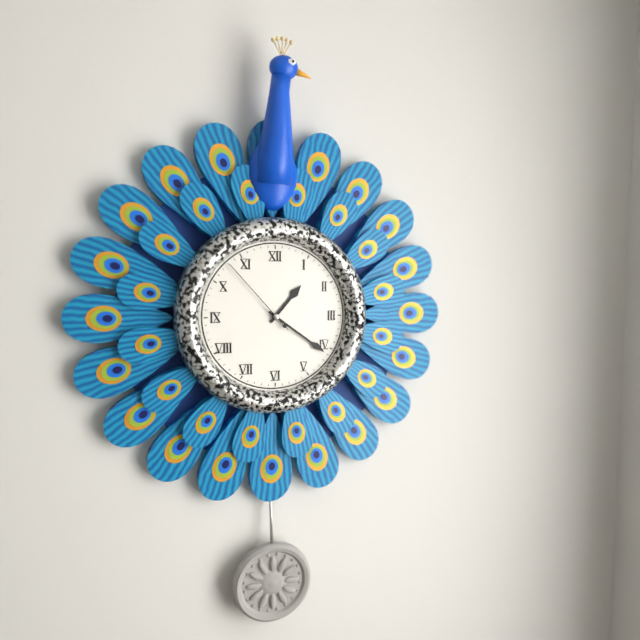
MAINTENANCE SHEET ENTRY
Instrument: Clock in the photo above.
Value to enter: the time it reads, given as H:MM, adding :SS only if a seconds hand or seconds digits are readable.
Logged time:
1:21:53
